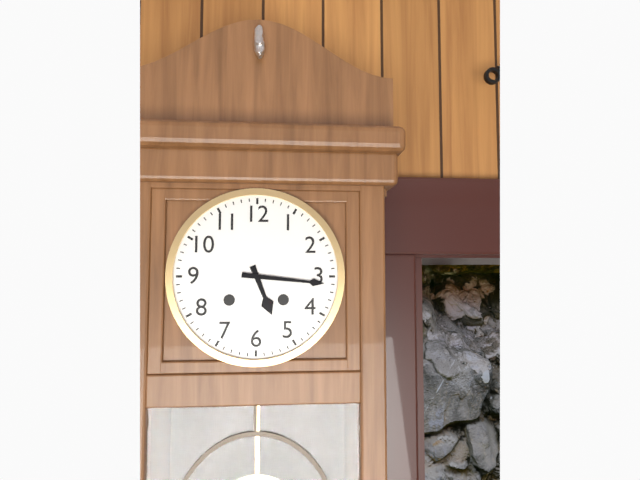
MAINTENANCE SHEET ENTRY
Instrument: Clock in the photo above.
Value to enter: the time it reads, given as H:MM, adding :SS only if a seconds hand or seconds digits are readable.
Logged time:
5:16
